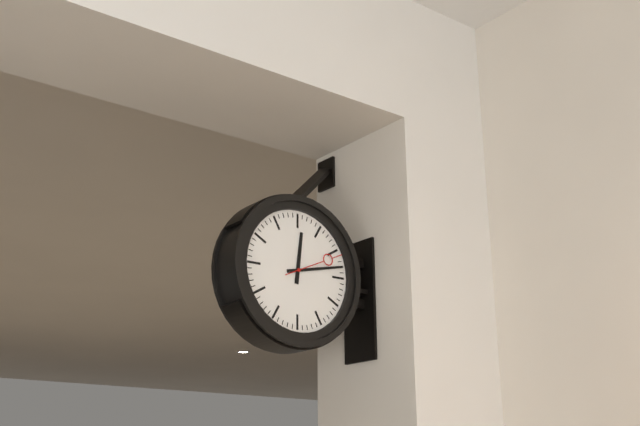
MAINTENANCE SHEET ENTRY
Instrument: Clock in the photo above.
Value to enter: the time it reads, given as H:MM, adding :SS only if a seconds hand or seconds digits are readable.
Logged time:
12:13:11
